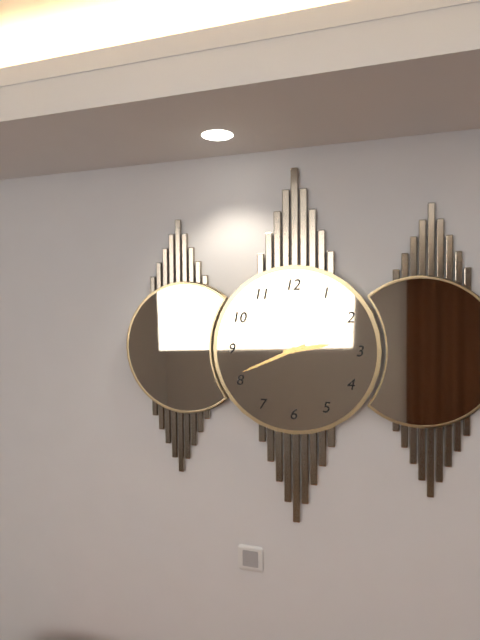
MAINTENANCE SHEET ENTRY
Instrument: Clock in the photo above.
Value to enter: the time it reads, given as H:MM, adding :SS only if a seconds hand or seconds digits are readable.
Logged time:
2:41
